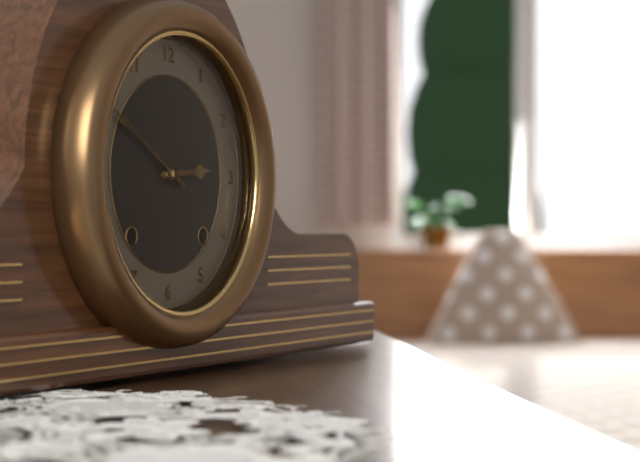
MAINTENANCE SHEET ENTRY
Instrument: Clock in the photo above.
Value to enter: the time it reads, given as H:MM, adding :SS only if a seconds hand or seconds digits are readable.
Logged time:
2:50
